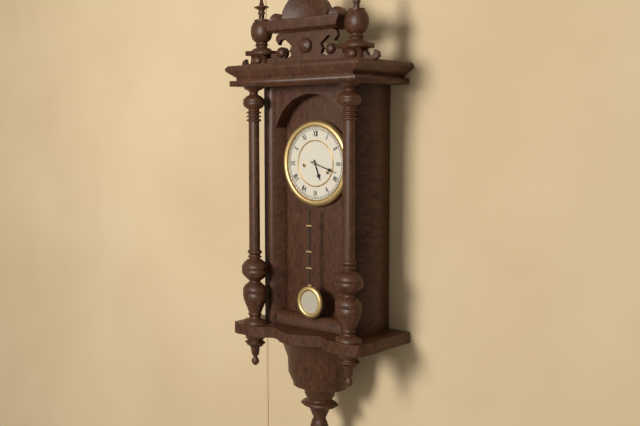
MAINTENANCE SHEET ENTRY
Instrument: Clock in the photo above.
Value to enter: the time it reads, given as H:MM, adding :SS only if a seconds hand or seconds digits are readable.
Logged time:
5:18
